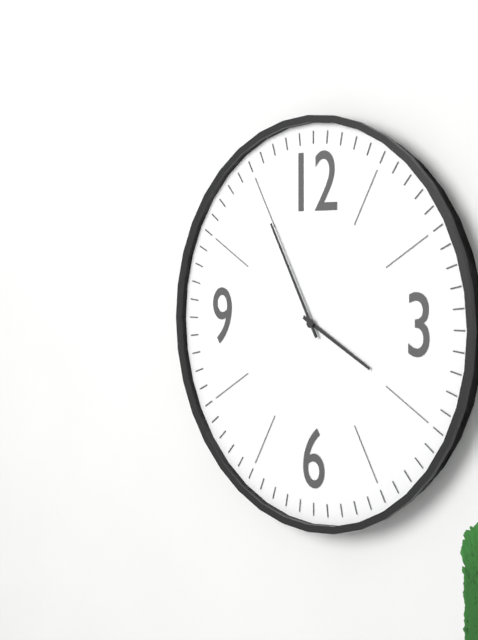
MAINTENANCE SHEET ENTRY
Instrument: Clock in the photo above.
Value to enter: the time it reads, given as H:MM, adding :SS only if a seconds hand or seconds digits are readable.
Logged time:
3:55
